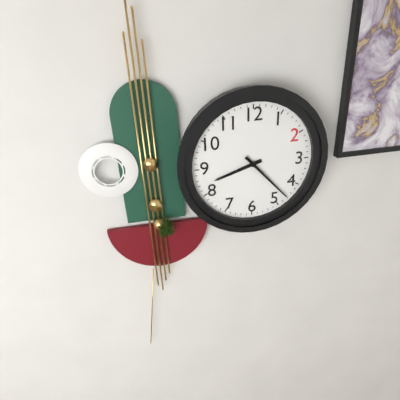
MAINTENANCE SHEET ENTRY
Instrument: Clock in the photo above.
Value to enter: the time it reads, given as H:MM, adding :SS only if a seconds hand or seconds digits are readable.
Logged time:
8:23
